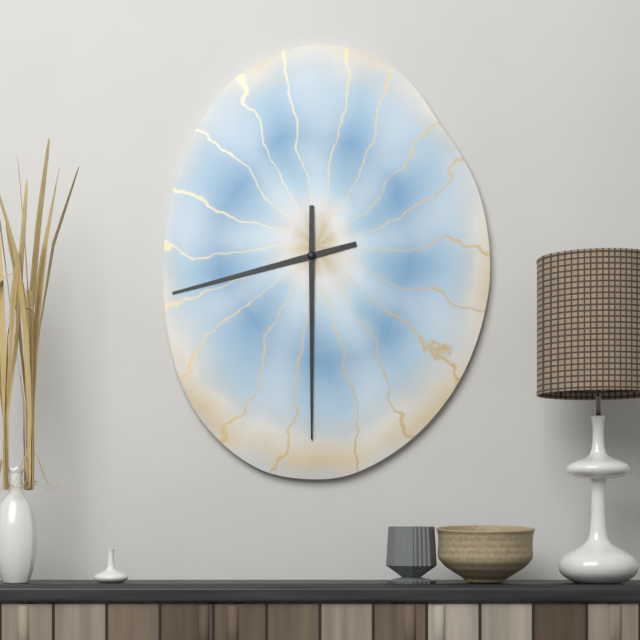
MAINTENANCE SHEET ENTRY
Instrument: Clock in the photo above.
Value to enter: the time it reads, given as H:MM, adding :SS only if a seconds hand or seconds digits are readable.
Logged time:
8:30
